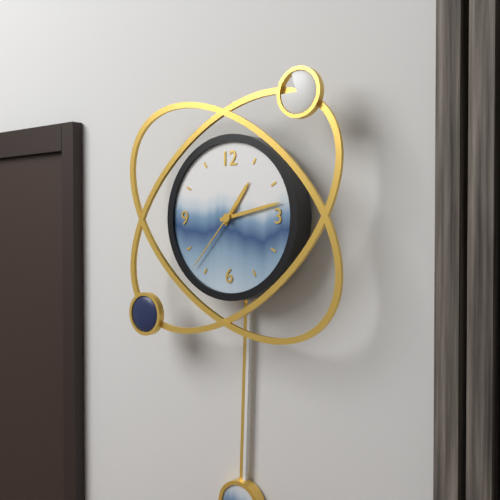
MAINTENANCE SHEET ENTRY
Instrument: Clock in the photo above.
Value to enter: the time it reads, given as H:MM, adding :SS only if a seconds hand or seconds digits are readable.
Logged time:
1:13:37
